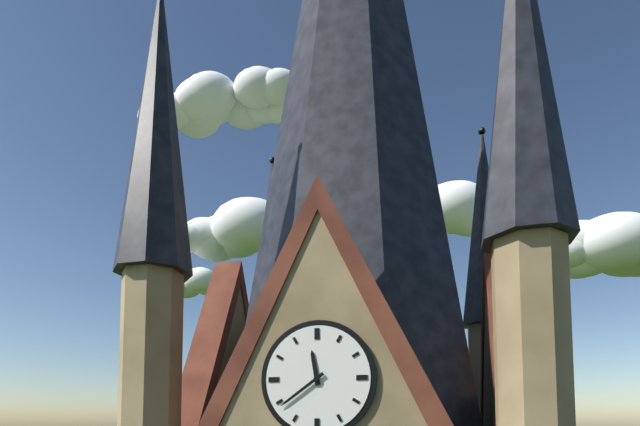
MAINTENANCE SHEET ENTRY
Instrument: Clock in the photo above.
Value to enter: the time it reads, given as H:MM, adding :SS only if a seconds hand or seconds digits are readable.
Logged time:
11:39
